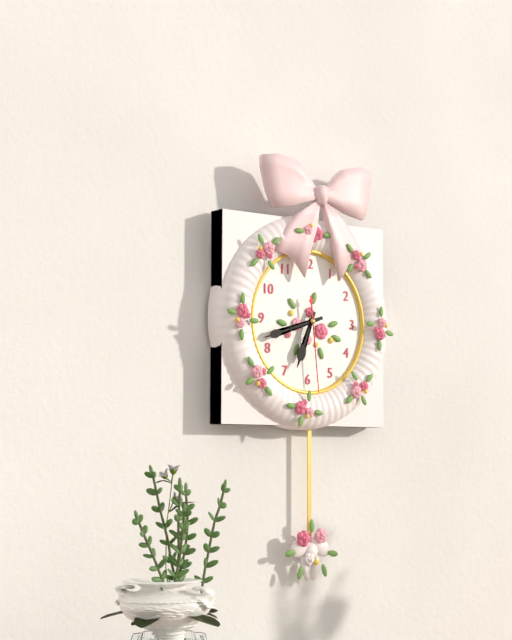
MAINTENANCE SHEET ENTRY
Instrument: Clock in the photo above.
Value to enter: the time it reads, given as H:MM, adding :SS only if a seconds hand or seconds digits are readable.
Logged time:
6:42:29
